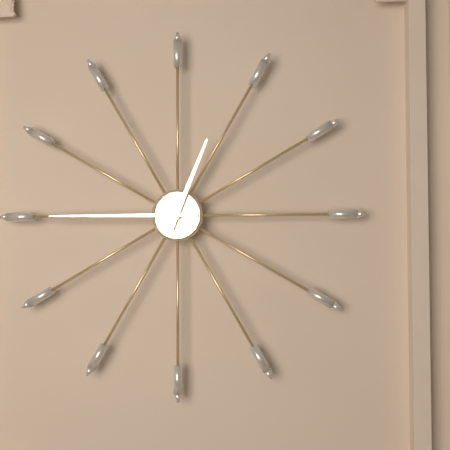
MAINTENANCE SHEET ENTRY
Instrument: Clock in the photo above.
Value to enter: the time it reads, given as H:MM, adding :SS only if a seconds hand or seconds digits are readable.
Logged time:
12:45
